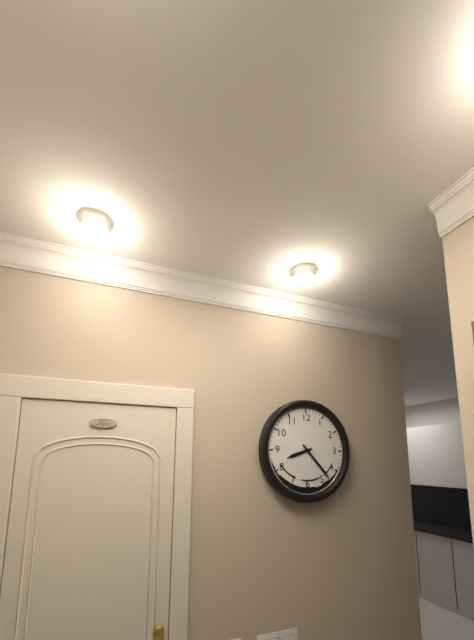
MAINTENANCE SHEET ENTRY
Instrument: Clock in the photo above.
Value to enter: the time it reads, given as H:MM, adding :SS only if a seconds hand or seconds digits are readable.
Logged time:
8:23
